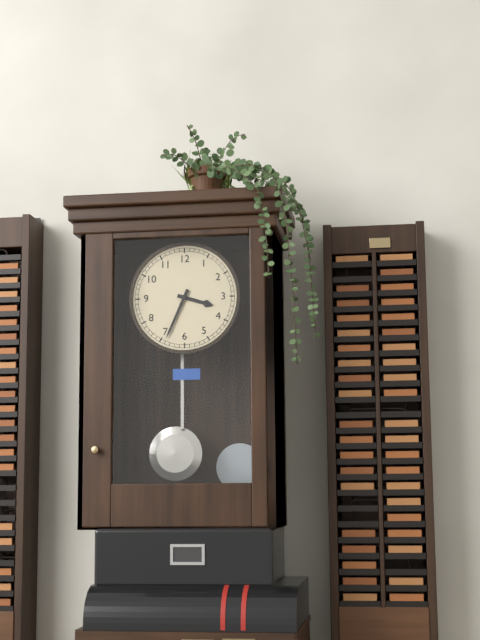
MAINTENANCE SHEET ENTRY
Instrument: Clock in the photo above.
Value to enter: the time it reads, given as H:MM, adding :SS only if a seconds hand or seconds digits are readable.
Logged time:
3:34
